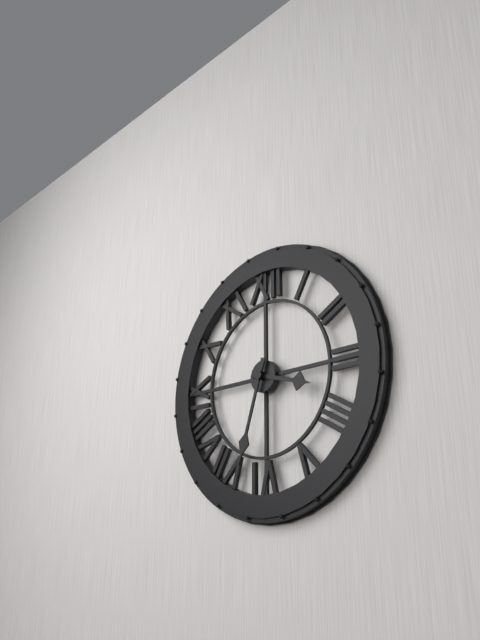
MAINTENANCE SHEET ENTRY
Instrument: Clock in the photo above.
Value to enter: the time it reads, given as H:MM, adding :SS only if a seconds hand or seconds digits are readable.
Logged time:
3:33
